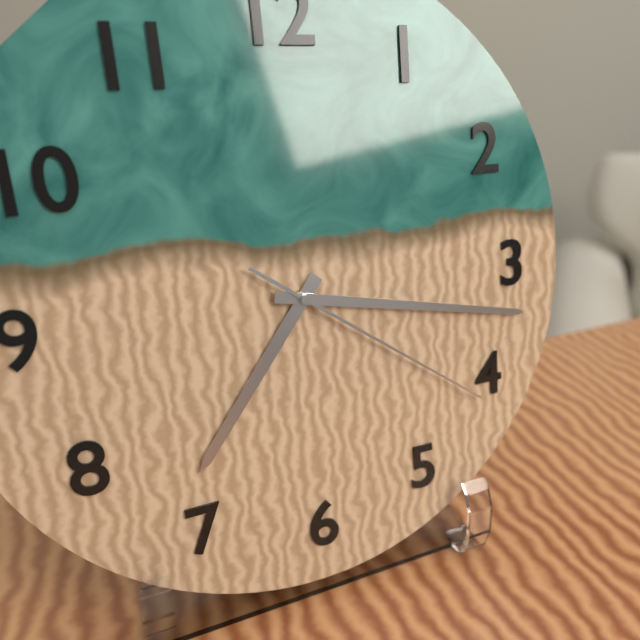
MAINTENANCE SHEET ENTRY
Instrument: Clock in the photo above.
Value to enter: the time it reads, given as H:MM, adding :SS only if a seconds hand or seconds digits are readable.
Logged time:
7:17:21
